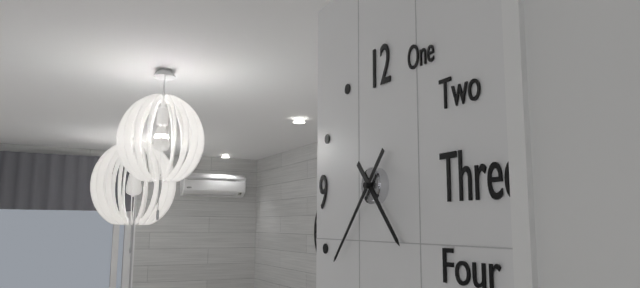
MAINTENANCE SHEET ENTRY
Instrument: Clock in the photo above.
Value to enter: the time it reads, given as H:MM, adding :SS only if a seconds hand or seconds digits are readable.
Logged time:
4:37
